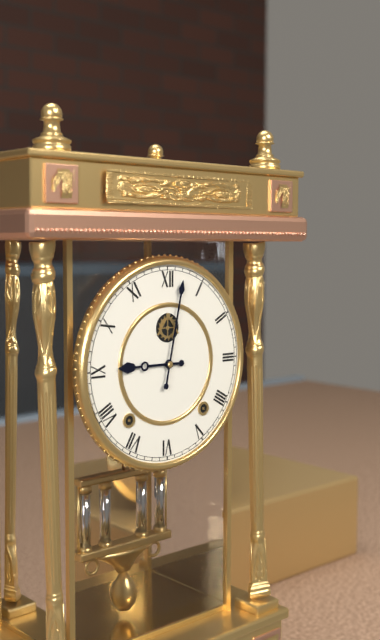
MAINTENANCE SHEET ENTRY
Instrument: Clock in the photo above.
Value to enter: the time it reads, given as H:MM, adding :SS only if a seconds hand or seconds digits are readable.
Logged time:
9:02
